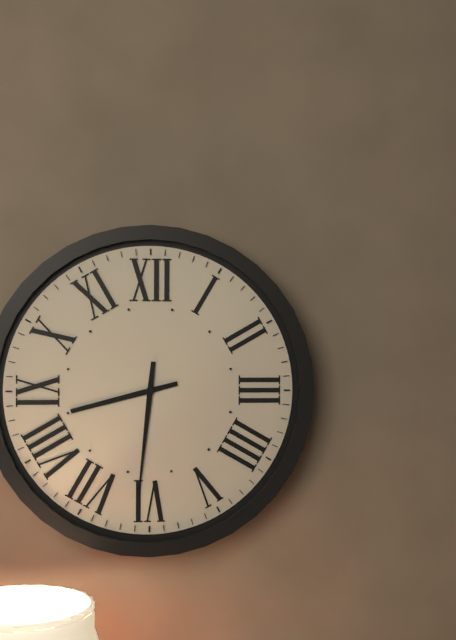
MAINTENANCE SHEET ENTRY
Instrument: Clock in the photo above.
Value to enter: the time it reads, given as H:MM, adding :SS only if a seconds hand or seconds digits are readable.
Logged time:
8:31
